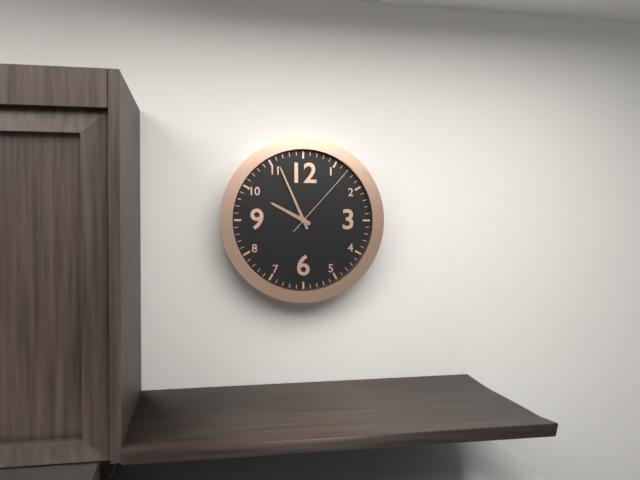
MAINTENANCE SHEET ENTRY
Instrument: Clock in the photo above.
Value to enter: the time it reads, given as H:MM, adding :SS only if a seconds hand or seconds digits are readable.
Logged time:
9:56:07
